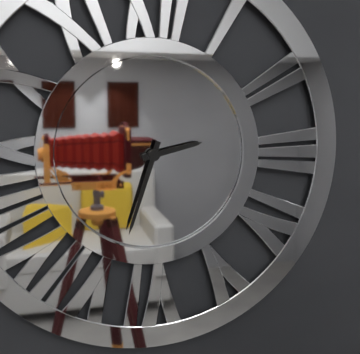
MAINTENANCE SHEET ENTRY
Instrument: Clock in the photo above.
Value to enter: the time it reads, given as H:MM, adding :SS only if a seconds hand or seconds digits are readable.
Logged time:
2:33
